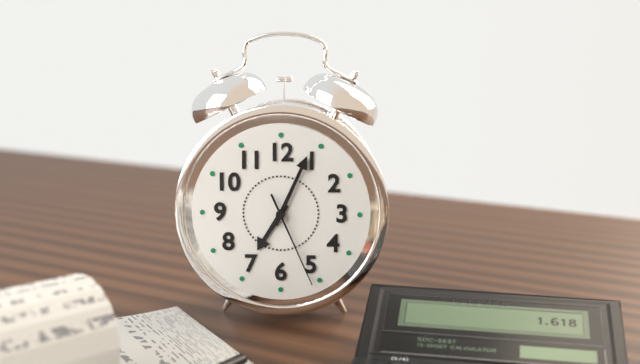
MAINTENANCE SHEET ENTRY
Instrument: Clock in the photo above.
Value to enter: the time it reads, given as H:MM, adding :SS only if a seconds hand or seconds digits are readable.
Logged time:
7:04:26
